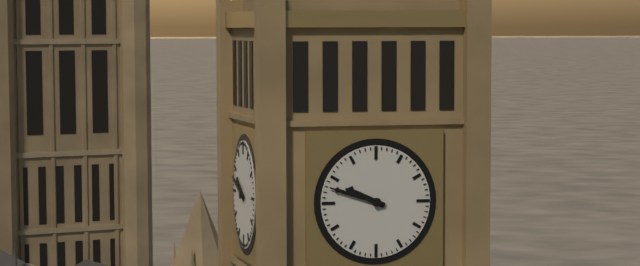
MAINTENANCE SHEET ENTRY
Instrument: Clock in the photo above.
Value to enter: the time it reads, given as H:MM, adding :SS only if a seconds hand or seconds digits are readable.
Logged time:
9:48
